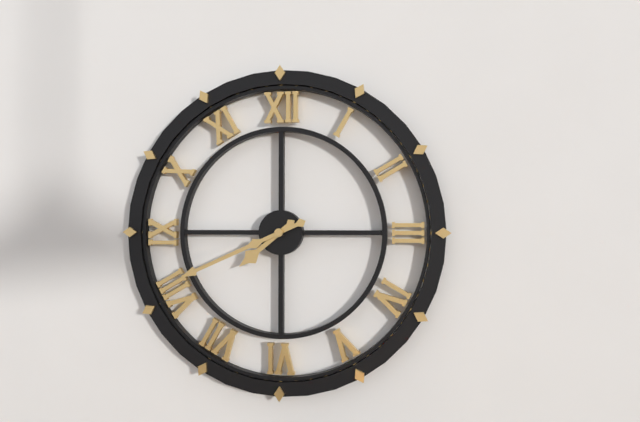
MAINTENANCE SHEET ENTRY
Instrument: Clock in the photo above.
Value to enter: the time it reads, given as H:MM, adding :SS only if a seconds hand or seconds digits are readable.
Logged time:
7:41
